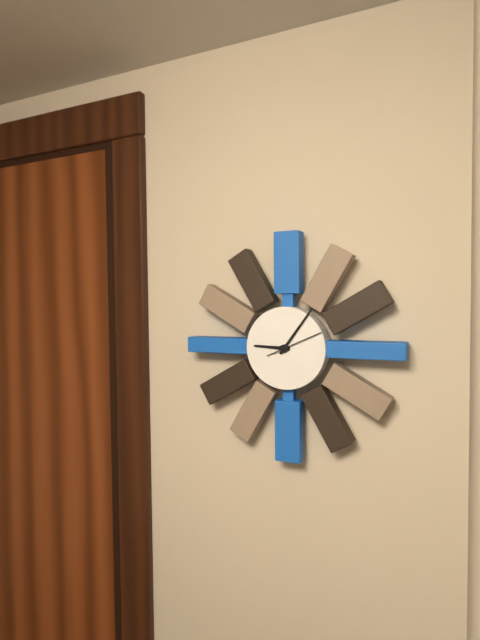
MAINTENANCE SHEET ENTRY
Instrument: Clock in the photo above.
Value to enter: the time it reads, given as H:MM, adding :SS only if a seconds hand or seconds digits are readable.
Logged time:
9:06:11
